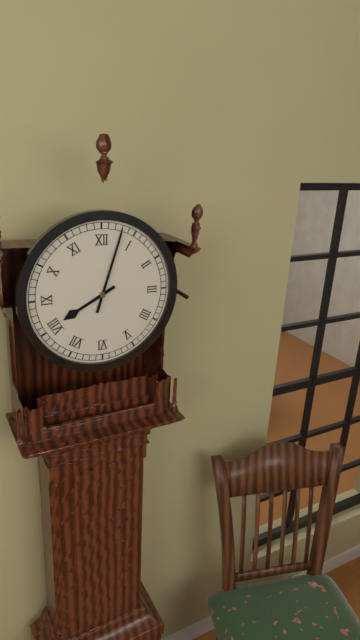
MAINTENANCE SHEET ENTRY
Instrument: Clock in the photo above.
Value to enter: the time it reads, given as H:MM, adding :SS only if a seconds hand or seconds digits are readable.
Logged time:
8:03
